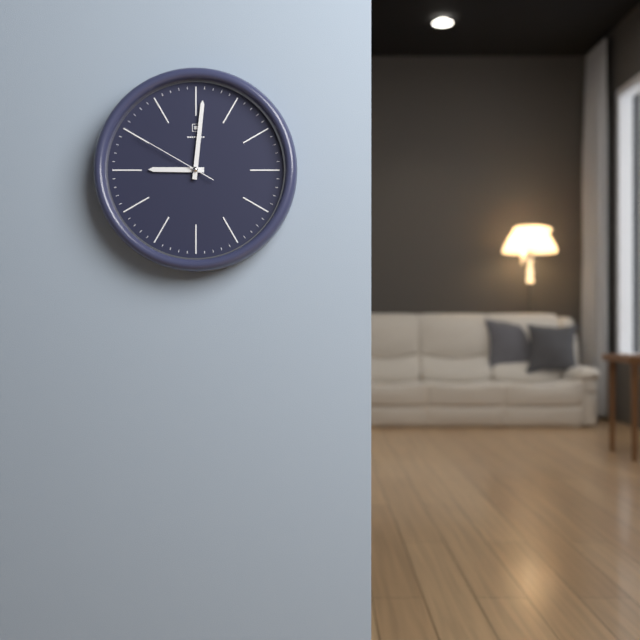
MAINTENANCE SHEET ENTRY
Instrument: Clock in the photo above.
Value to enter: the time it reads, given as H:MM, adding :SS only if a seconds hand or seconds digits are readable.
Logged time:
9:01:50
